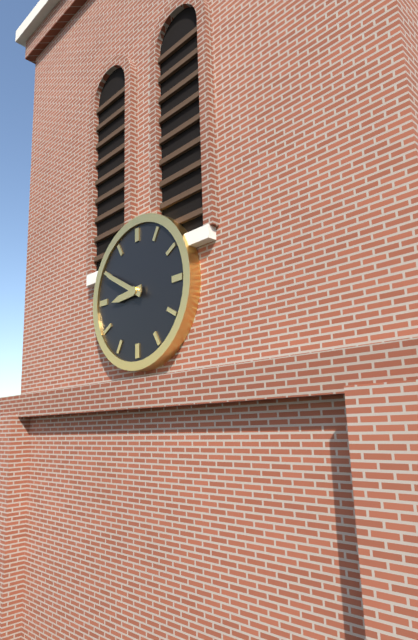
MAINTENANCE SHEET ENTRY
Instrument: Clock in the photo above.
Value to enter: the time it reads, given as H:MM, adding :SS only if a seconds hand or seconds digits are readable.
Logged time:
8:50
